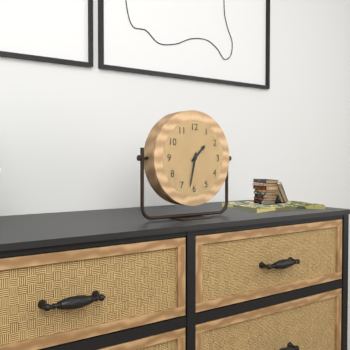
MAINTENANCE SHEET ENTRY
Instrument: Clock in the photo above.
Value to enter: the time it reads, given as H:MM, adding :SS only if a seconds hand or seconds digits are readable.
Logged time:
1:32
